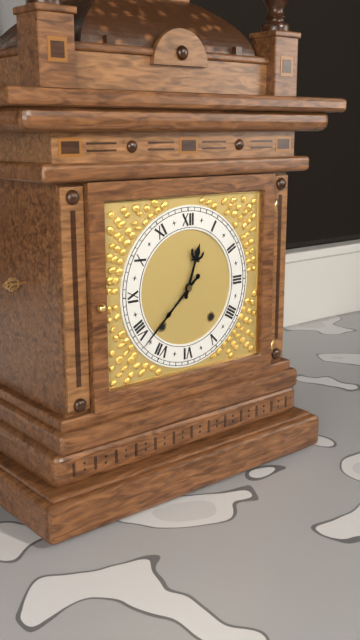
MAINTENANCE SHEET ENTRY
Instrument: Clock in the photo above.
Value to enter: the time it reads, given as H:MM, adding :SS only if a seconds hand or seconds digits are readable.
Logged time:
12:38
